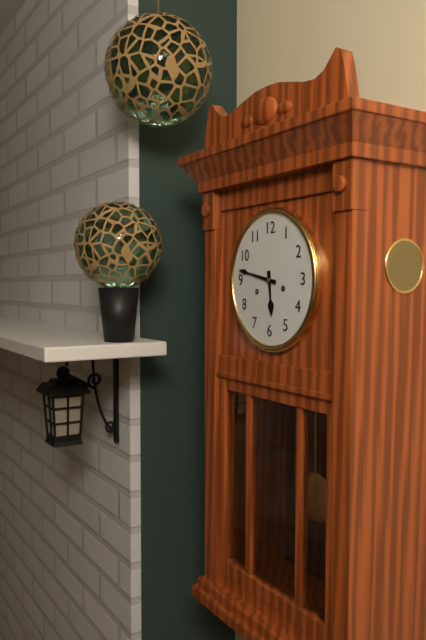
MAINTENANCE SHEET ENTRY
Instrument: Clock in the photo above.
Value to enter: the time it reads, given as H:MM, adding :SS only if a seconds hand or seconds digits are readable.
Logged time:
5:47
